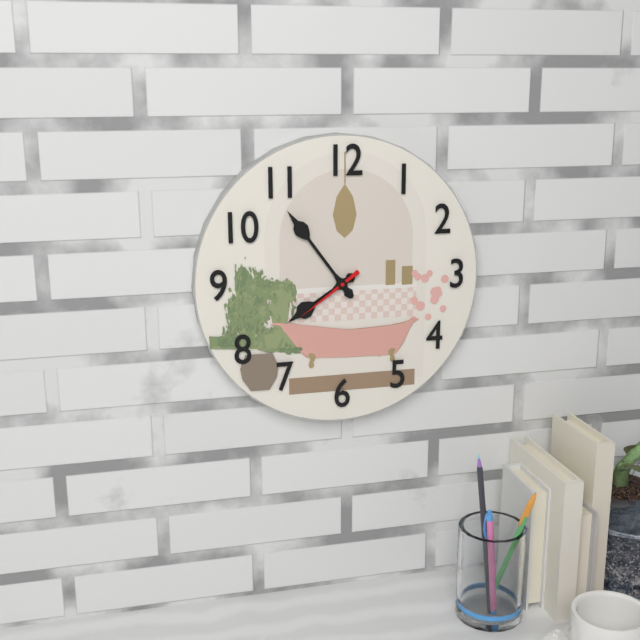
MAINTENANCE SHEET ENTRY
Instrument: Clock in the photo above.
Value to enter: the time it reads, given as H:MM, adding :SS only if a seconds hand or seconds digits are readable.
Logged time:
7:54:39
